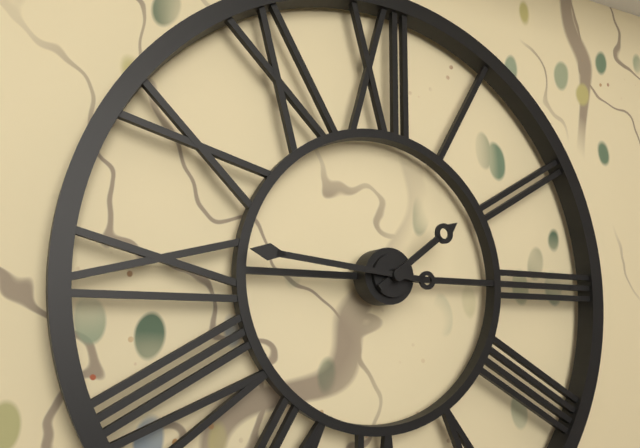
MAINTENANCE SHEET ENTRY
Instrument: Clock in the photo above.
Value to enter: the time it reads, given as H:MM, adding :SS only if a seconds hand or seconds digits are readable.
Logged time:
1:46
